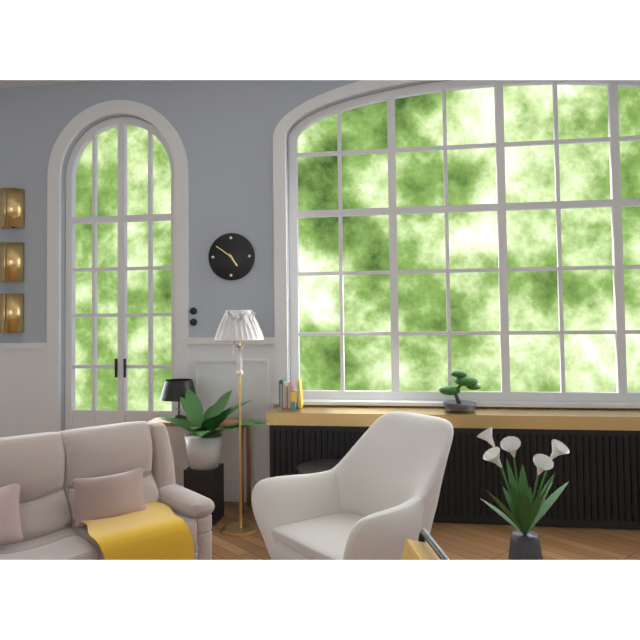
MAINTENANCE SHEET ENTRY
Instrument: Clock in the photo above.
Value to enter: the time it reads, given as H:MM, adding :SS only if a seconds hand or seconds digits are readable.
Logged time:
4:51
